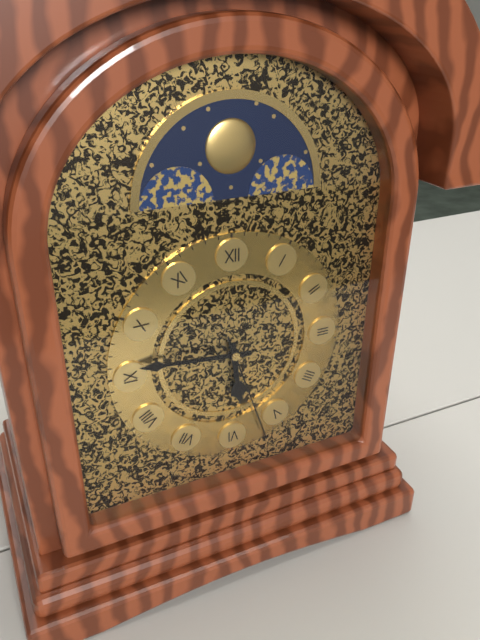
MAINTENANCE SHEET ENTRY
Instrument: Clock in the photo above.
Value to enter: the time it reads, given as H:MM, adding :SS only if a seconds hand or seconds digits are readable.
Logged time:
5:46:27
